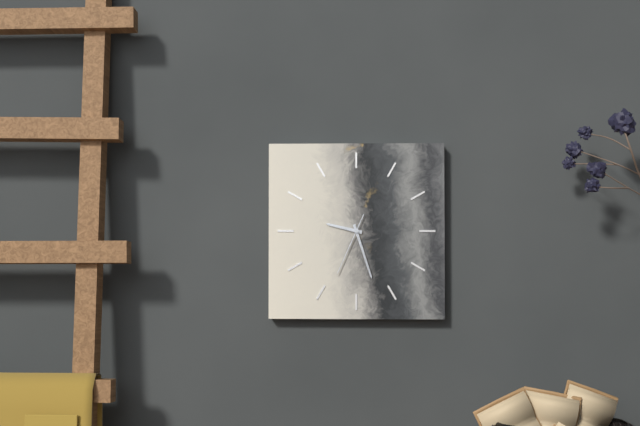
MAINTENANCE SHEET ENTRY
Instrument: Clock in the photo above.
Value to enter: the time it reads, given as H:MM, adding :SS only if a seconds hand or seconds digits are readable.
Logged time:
9:27:34
